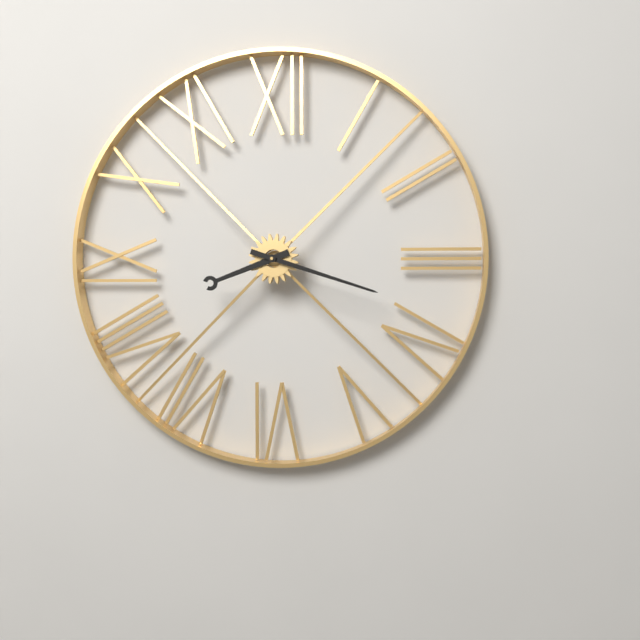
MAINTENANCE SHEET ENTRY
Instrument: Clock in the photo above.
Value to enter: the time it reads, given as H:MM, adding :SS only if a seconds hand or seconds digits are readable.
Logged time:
8:18
